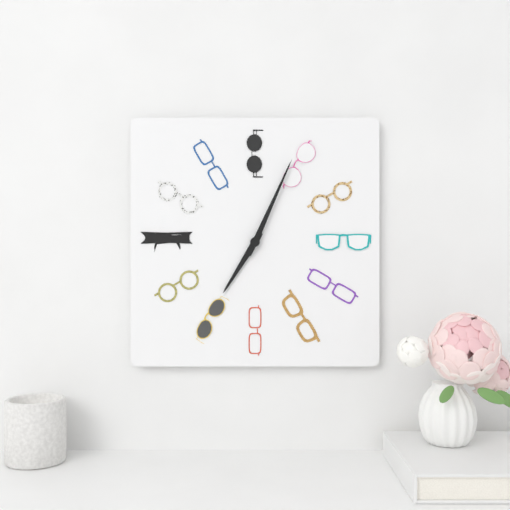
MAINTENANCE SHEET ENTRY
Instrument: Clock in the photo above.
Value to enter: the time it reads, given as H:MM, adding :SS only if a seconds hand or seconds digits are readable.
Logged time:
7:04
